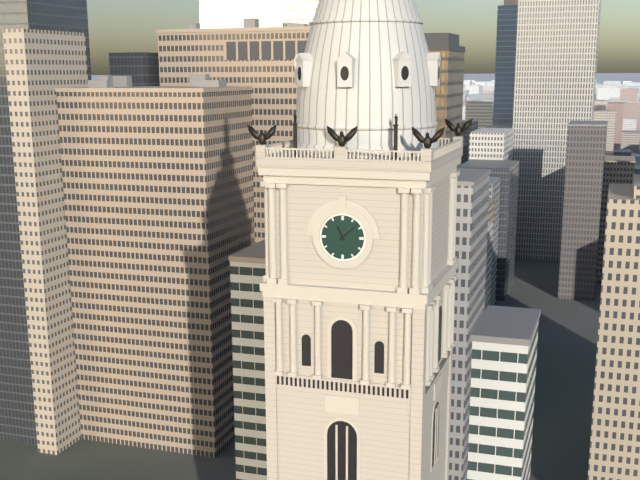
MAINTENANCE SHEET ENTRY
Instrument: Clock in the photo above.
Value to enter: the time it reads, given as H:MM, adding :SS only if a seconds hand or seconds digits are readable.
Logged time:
11:08
